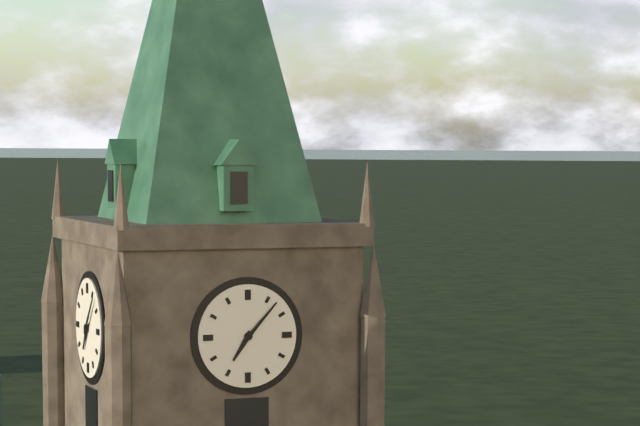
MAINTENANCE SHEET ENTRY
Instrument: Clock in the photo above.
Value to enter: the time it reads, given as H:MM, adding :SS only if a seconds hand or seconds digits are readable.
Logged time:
7:07
